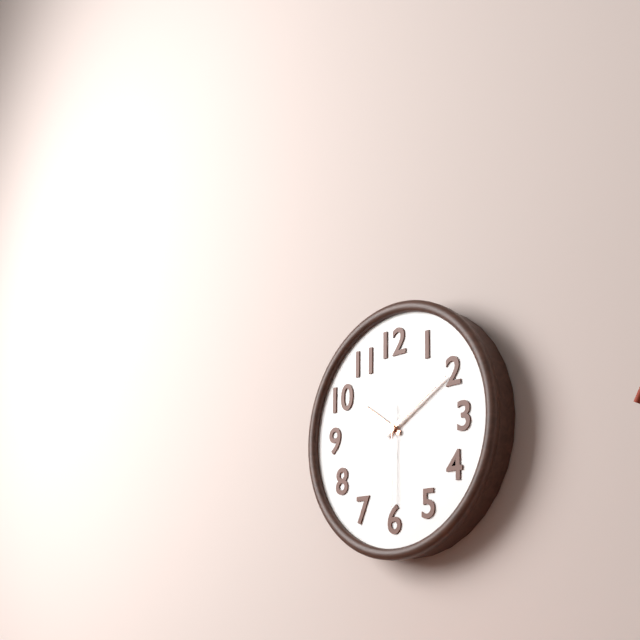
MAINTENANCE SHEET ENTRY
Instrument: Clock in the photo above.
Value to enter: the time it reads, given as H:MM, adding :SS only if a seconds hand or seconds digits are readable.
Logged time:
10:10:30
